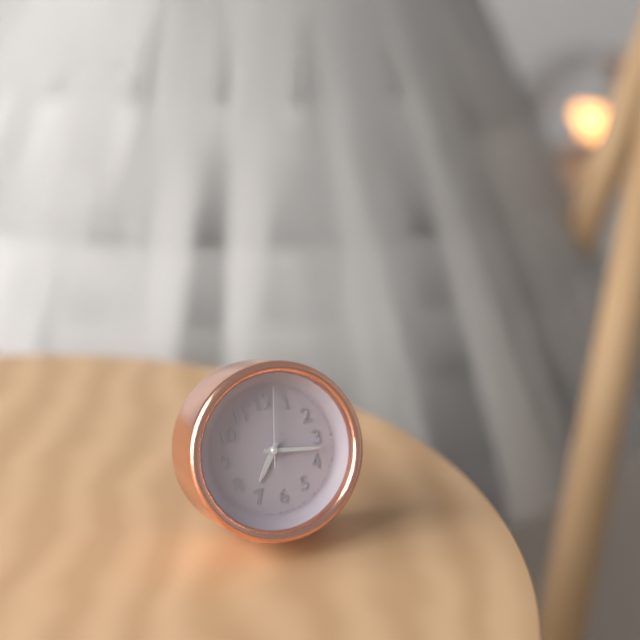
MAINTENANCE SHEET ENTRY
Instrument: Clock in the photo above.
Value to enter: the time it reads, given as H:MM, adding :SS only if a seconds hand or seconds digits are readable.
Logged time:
7:17:02
